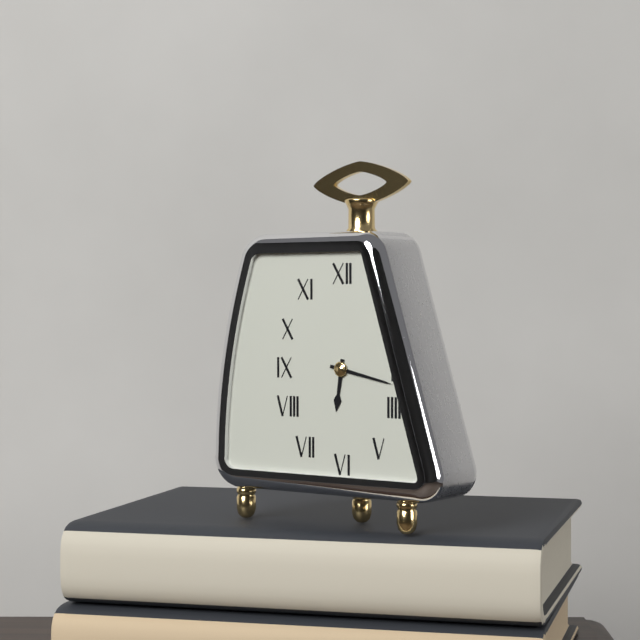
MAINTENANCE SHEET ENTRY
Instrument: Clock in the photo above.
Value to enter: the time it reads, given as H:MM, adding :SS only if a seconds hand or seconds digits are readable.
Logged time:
6:17
